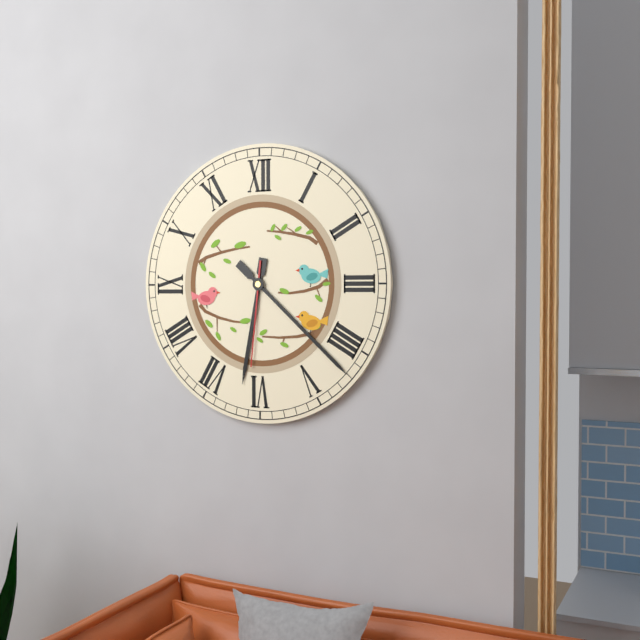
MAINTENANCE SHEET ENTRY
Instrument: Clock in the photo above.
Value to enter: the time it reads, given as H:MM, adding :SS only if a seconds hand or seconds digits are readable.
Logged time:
6:22:31
